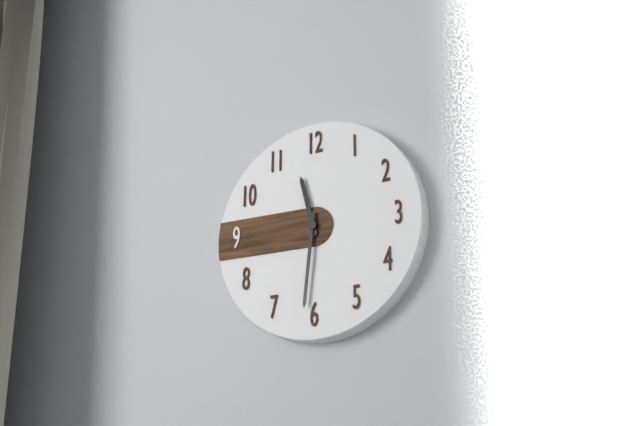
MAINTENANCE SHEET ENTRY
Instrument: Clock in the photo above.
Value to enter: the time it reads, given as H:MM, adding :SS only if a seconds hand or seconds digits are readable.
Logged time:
11:31
